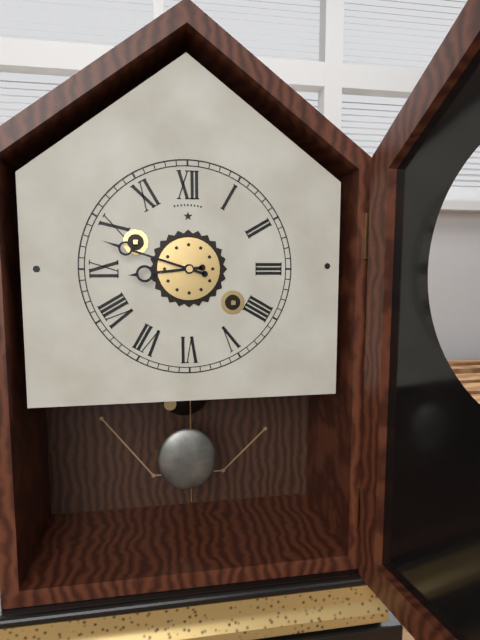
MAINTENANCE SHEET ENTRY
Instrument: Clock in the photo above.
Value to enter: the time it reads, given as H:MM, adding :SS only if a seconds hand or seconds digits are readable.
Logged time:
8:48
